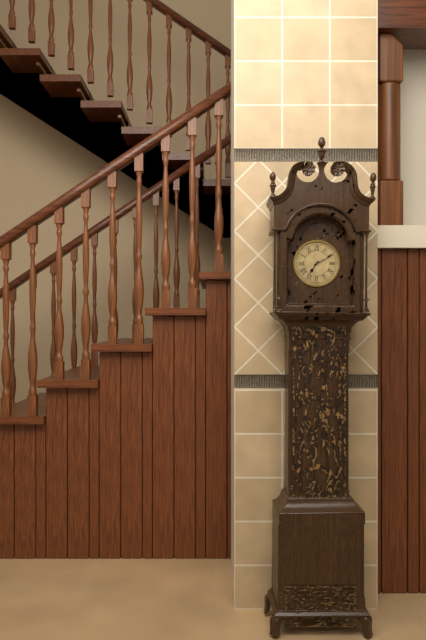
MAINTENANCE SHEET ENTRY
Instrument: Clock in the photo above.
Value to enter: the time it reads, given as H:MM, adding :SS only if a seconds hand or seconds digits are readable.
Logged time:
7:10
